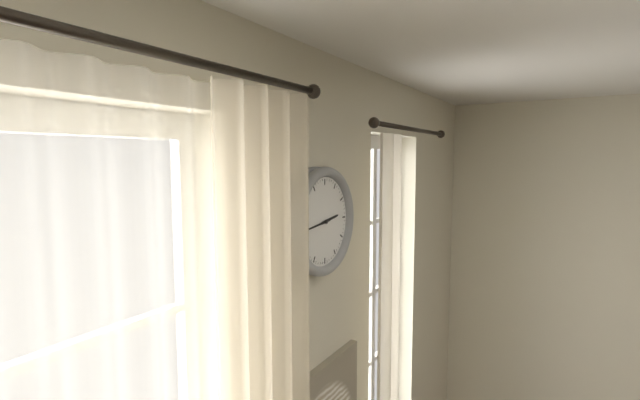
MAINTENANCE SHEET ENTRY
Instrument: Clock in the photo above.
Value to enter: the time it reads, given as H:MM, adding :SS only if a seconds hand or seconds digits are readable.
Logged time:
2:44
